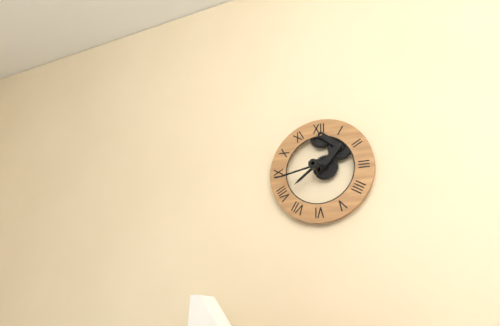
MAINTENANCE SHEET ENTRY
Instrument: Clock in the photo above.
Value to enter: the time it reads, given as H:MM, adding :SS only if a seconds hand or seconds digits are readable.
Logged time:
7:43
